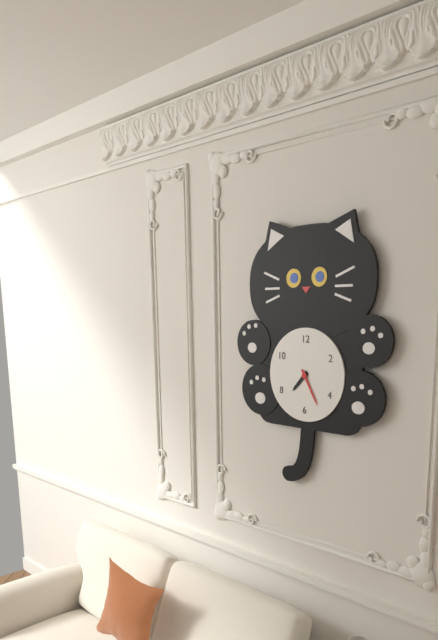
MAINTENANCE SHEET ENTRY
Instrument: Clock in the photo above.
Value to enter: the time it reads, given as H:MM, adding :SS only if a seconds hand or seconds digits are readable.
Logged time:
7:25
